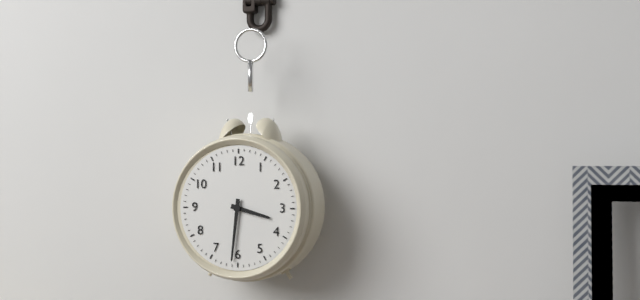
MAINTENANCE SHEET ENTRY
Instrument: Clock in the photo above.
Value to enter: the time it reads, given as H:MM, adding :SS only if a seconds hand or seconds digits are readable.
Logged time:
3:31
